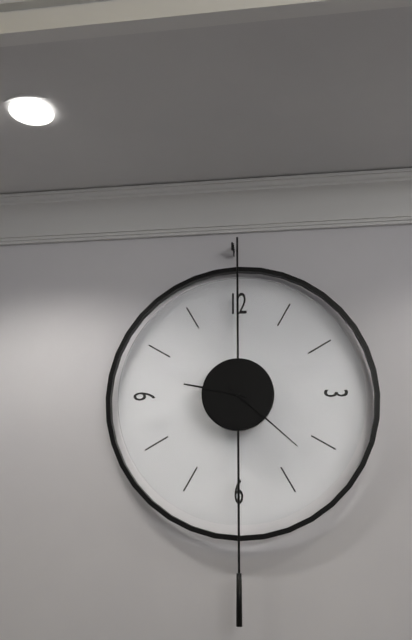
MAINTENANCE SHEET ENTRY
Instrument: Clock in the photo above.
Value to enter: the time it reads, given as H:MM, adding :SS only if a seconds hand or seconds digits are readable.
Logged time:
9:22
